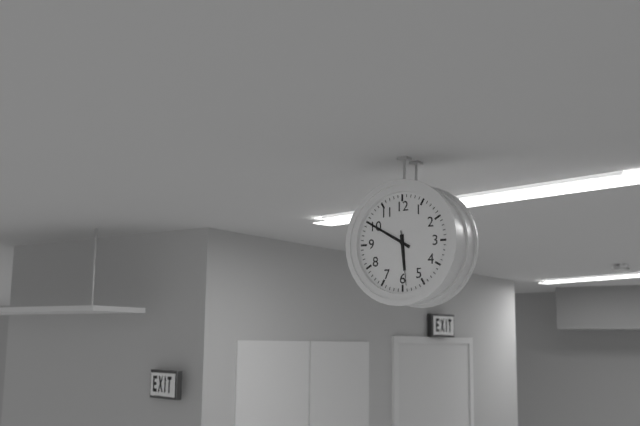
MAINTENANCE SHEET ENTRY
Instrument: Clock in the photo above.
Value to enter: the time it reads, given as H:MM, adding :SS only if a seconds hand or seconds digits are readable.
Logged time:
5:50:29
